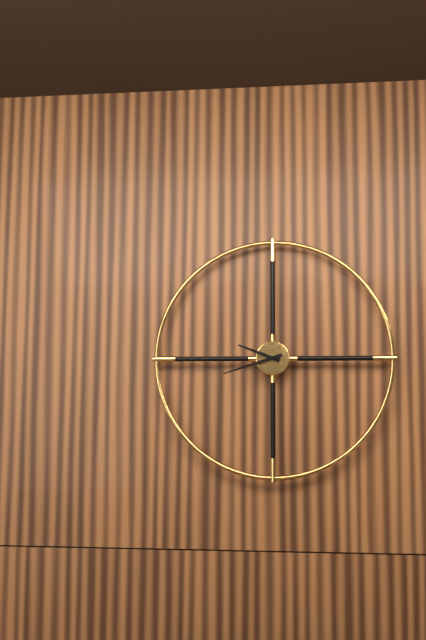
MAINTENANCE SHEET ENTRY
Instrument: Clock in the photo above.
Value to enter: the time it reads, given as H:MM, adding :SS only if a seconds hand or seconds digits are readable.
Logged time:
9:42
